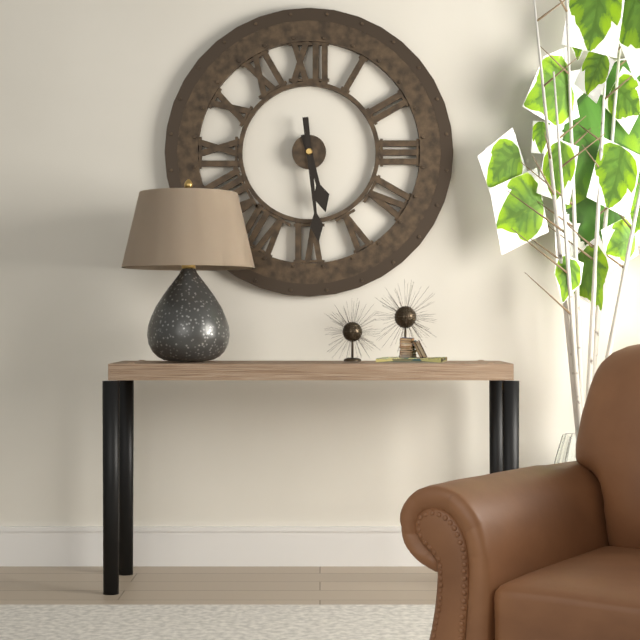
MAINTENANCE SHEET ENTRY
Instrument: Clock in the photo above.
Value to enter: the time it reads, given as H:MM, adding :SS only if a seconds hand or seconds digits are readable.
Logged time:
5:29
